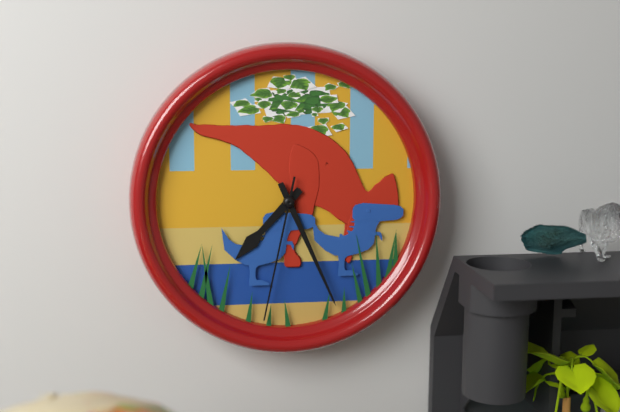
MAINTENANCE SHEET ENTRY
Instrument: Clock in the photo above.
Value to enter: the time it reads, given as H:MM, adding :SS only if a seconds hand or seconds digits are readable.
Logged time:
7:26:32
